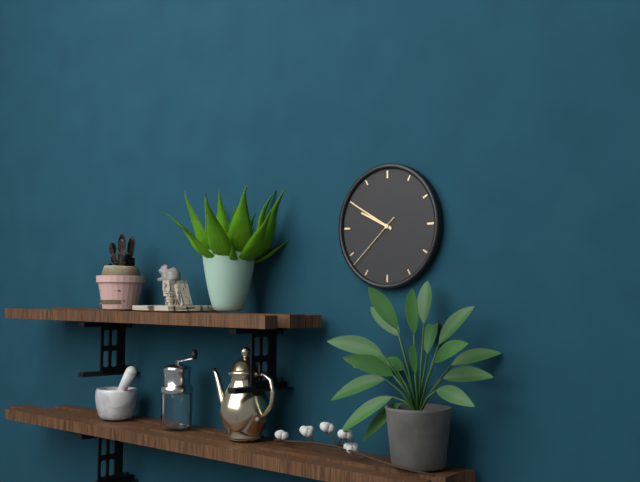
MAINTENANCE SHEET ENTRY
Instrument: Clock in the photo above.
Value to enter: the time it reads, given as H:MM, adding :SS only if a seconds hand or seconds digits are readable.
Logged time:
9:50:38
